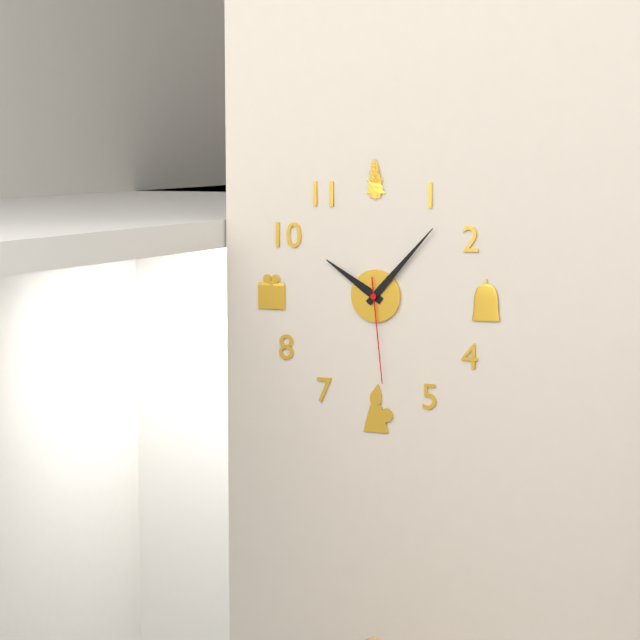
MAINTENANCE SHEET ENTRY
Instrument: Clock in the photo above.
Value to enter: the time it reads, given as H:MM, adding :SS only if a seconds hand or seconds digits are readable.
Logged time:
10:07:29
